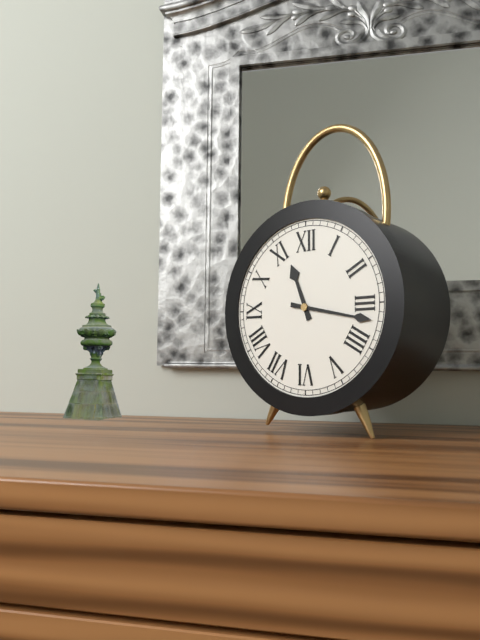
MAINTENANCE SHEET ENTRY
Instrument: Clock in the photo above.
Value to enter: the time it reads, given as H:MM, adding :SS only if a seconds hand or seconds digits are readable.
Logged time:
11:17
